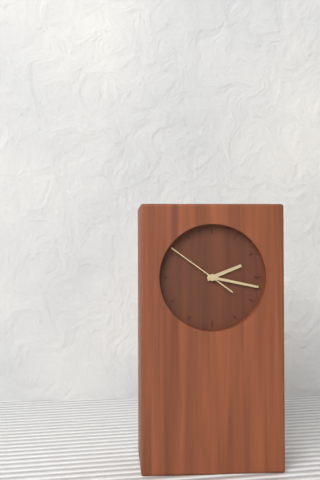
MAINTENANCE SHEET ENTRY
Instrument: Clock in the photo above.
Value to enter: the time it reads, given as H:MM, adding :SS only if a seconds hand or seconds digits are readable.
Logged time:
2:17:51
